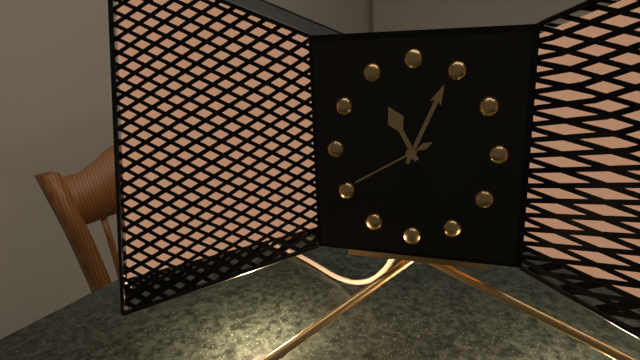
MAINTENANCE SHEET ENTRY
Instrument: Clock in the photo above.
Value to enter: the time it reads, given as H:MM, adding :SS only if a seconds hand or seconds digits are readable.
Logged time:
11:04:40
